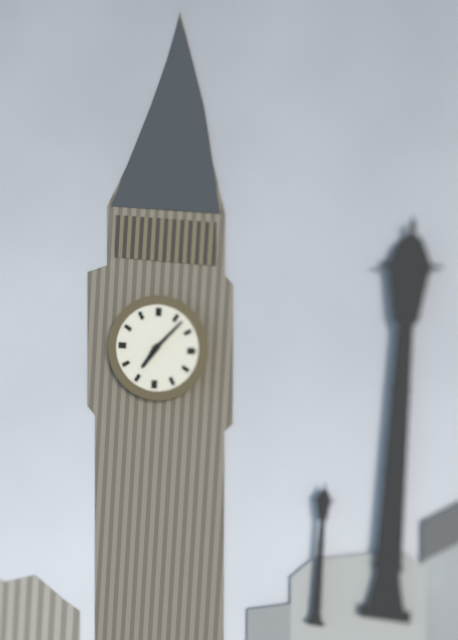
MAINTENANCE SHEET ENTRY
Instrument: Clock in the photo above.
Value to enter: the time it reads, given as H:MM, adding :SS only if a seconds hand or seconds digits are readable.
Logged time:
7:07
